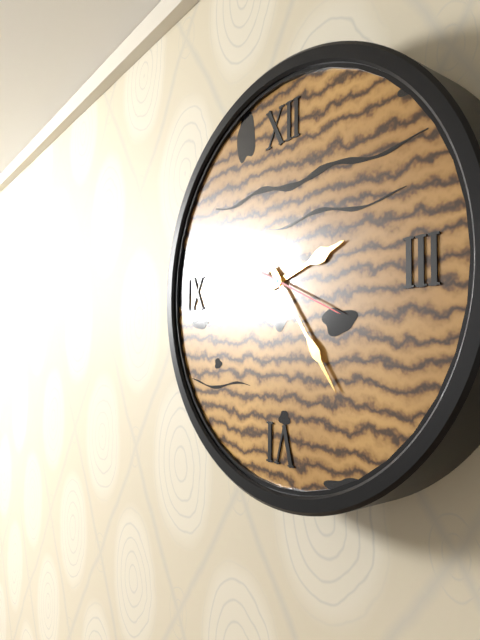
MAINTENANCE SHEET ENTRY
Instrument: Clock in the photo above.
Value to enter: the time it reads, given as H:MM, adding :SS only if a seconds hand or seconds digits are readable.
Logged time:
2:24:19
